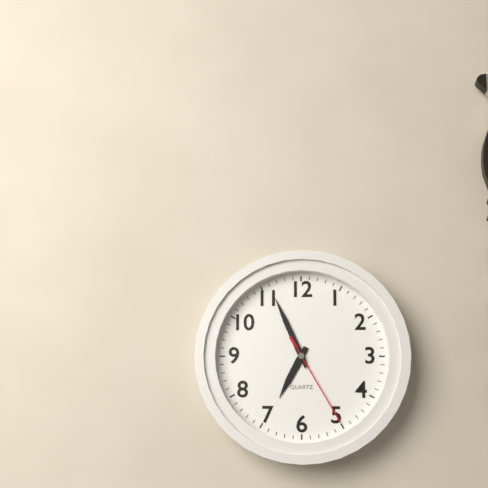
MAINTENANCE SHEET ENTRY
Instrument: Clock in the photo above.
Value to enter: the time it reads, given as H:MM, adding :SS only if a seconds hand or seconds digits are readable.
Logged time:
6:56:25
